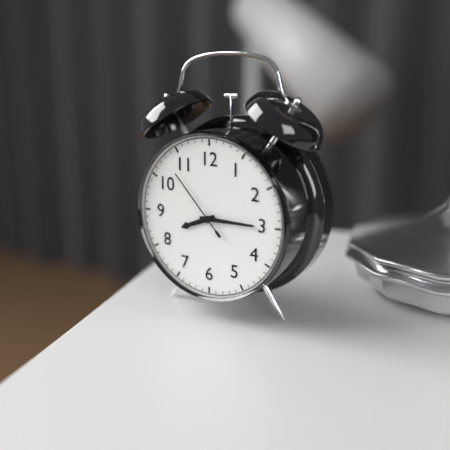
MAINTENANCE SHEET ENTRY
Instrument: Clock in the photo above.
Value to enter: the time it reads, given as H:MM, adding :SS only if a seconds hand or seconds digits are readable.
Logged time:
8:15:53
